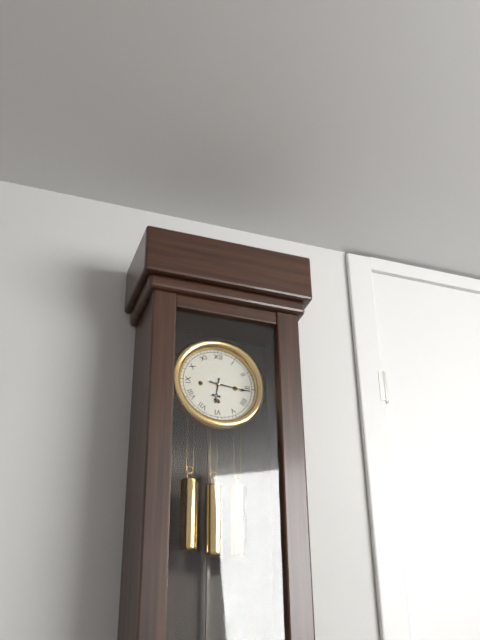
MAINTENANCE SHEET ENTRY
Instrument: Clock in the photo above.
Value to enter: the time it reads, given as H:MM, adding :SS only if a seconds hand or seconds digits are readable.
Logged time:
6:16
